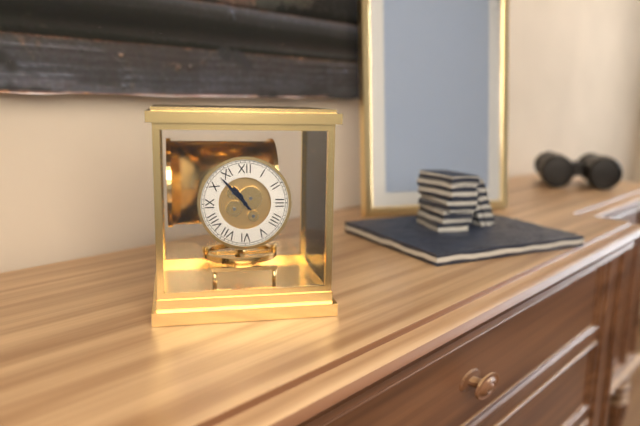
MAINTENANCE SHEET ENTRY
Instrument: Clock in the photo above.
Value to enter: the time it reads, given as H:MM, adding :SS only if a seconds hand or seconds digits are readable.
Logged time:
10:53
